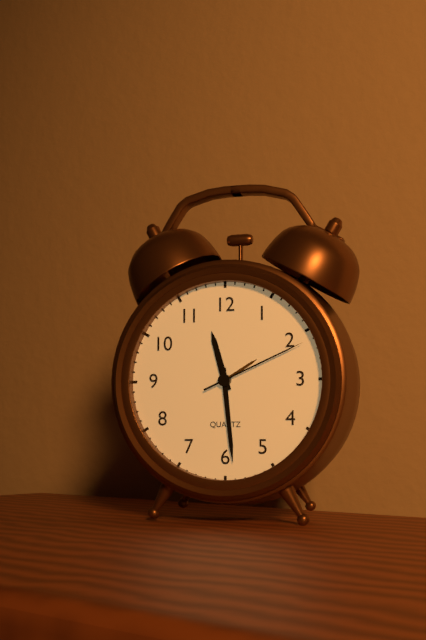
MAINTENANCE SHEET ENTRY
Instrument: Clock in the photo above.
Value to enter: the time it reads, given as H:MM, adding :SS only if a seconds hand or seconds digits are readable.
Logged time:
11:29:11
